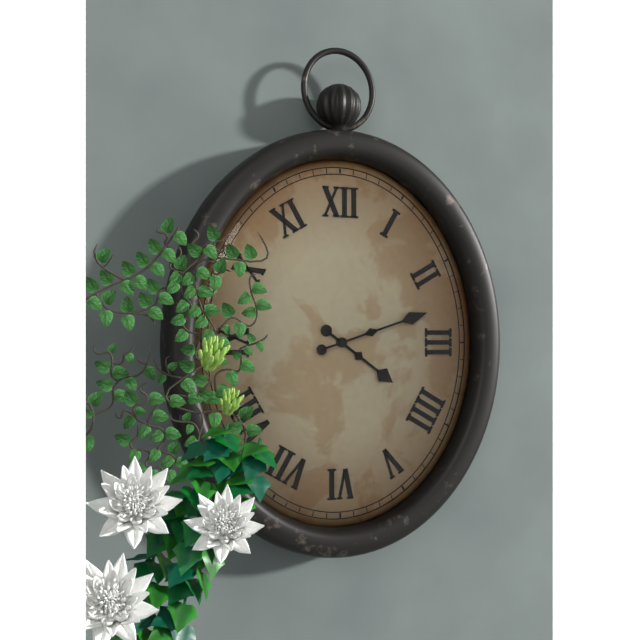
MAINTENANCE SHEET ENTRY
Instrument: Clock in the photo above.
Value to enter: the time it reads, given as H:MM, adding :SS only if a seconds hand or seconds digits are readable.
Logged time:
4:12
